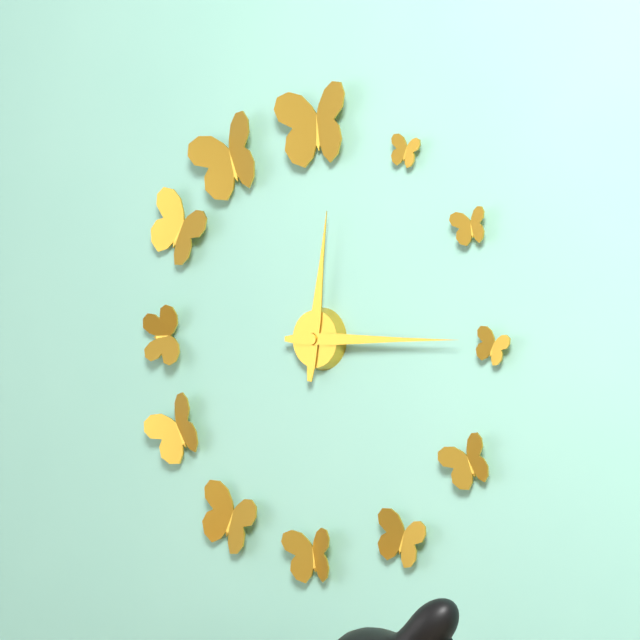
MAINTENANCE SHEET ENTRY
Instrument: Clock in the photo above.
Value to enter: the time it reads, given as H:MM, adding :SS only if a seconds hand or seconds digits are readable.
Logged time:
12:15
